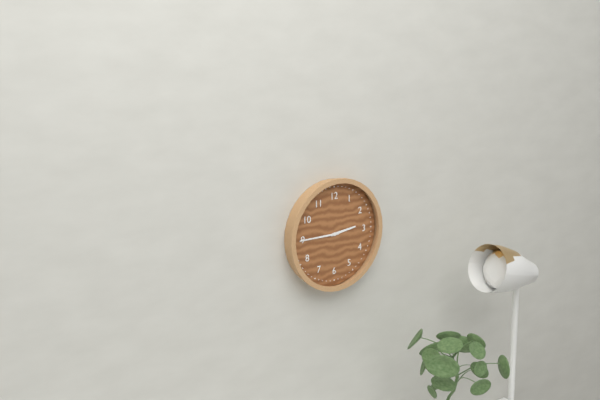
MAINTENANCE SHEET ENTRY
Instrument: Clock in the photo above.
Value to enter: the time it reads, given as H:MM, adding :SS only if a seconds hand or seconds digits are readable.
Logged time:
2:45
